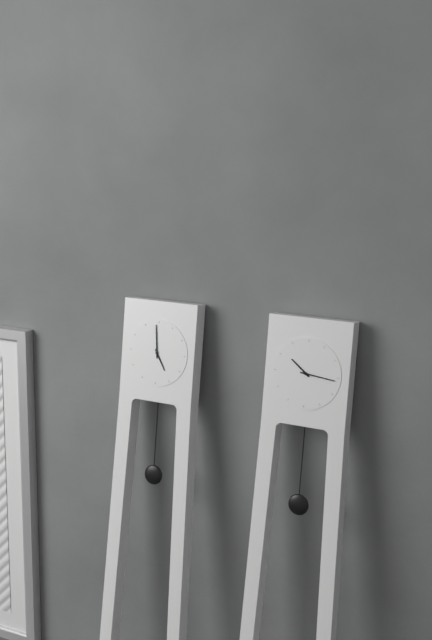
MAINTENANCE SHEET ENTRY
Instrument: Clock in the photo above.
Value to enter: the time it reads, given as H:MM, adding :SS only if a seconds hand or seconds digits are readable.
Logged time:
4:59
